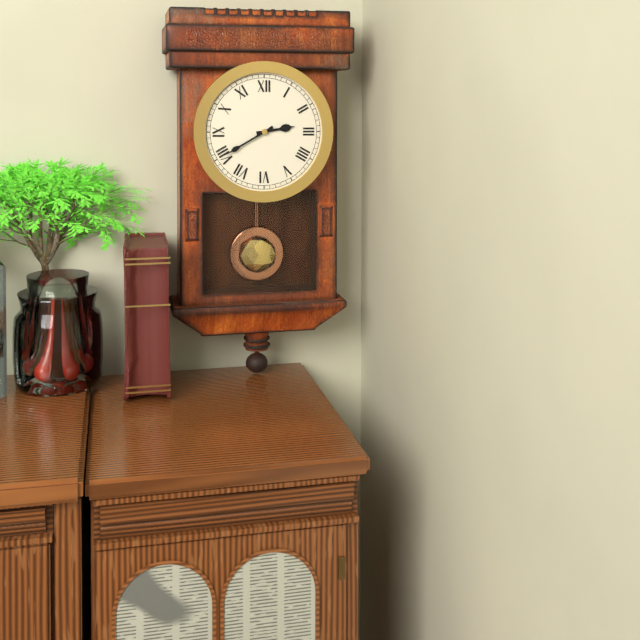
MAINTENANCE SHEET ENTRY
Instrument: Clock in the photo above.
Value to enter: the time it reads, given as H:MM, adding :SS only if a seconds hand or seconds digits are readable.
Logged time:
2:40
